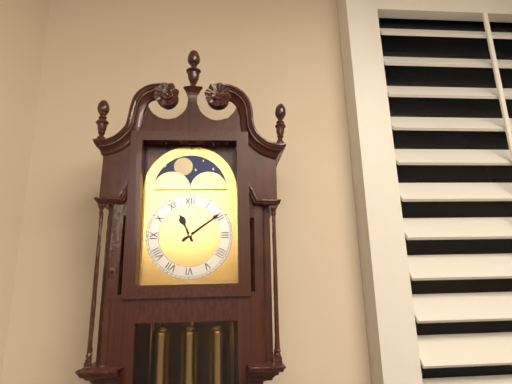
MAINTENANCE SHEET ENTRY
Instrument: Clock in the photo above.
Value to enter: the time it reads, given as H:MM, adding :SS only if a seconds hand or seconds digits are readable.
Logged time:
11:09
